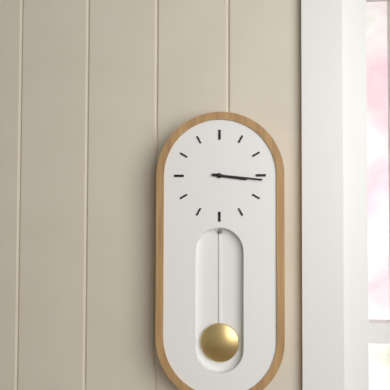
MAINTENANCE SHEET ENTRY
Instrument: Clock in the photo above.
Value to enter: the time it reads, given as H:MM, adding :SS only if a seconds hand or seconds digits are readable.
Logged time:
3:16
